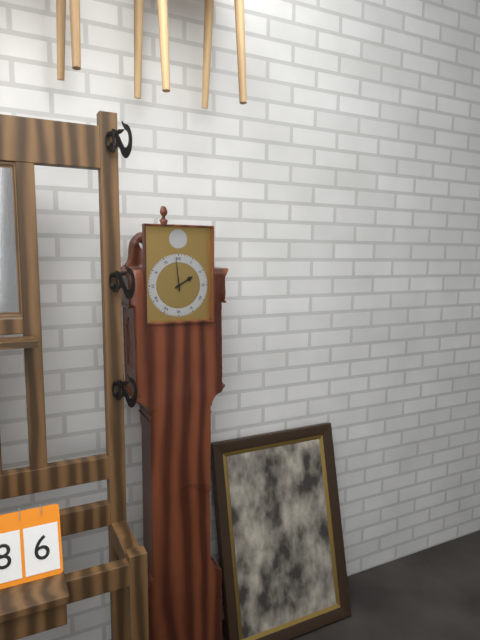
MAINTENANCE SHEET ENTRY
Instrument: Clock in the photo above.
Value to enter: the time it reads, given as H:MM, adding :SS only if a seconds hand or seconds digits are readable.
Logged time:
1:59
